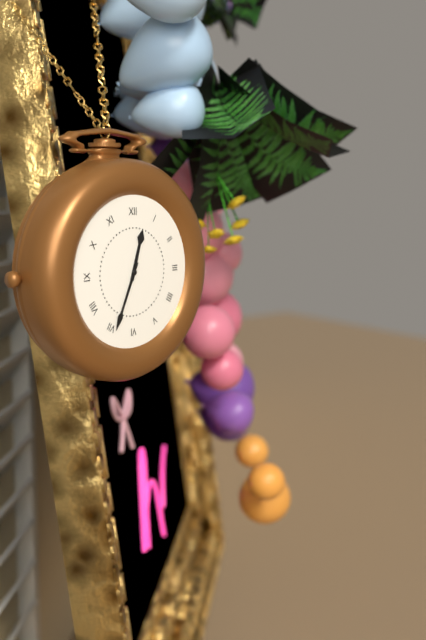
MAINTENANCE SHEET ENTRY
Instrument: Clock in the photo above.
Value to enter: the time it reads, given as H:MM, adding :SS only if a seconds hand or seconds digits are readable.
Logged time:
12:34
